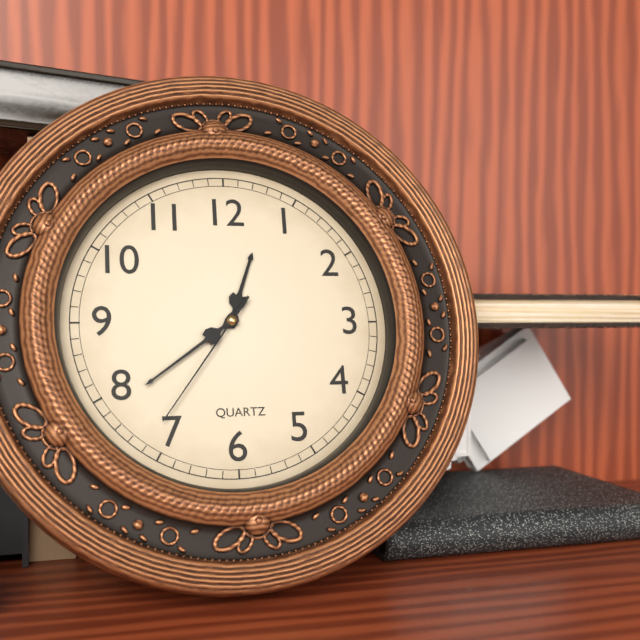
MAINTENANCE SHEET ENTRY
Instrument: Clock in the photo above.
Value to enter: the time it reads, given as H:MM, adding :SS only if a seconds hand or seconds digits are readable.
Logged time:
12:39:36
